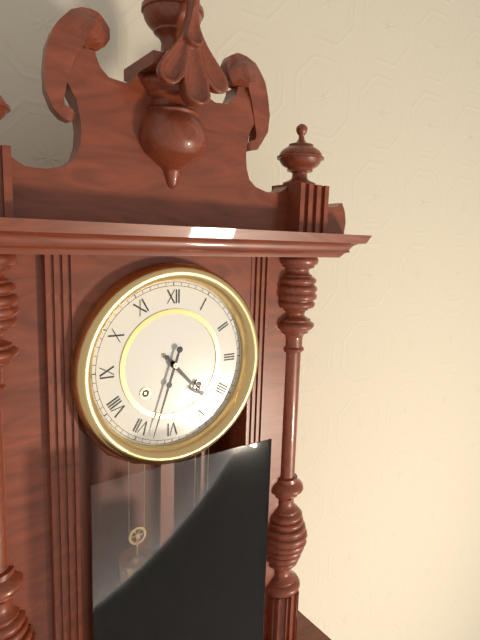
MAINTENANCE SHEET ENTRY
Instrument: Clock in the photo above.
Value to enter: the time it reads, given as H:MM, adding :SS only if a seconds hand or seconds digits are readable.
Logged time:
4:33
